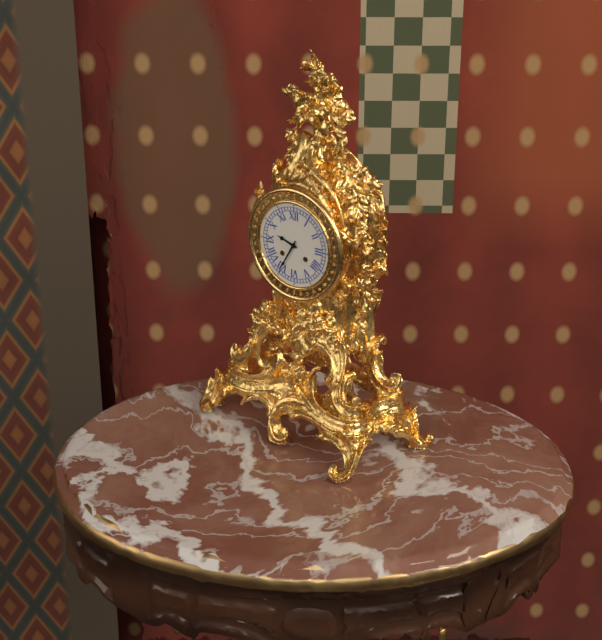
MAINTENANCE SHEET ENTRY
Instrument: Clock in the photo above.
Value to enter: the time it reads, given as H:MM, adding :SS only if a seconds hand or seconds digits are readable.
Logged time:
9:35
